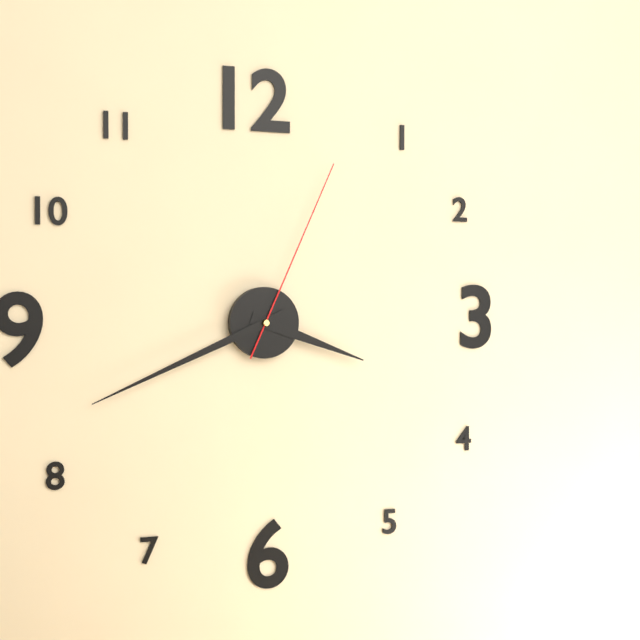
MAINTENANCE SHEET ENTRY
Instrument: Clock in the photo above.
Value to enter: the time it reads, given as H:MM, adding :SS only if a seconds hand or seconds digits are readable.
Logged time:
3:41:04
